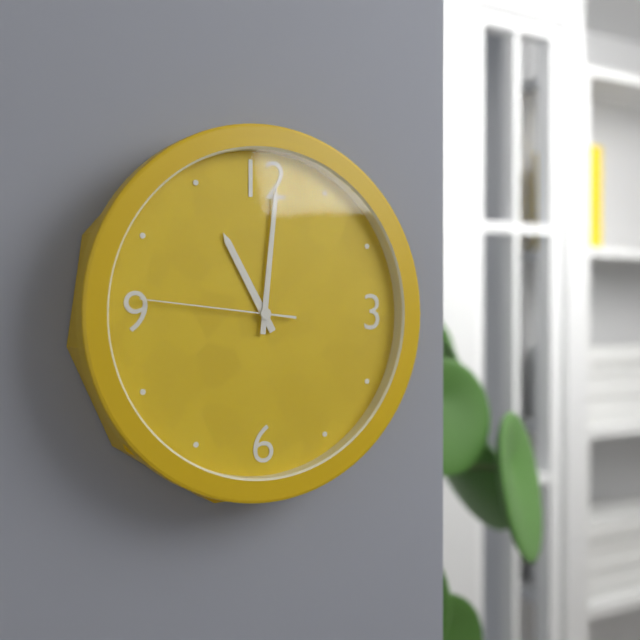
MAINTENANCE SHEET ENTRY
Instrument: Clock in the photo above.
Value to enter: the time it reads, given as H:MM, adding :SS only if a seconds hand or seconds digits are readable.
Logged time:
11:01:46
